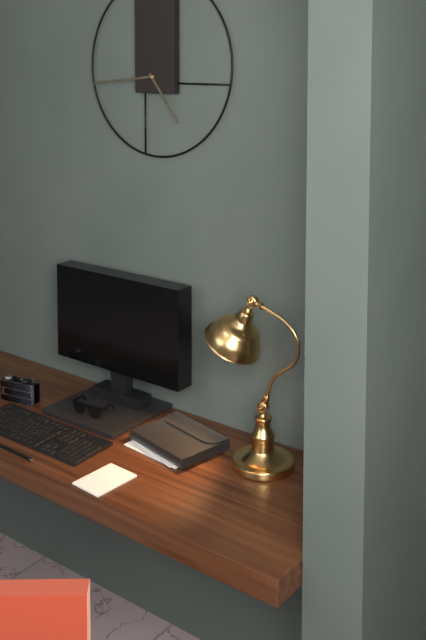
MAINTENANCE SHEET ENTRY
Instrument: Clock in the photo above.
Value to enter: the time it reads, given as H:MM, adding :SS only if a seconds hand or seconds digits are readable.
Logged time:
4:44
